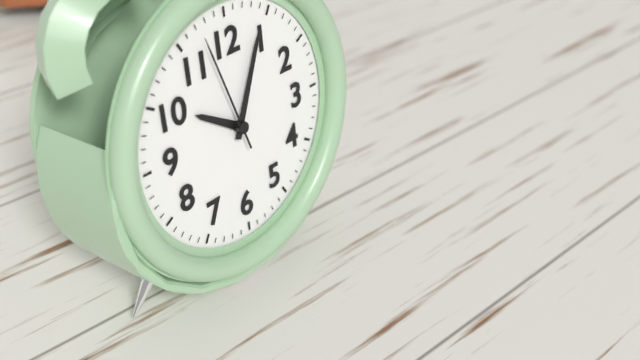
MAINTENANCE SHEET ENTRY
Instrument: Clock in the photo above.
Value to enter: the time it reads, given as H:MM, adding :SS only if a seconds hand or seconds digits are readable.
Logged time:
10:04:57
